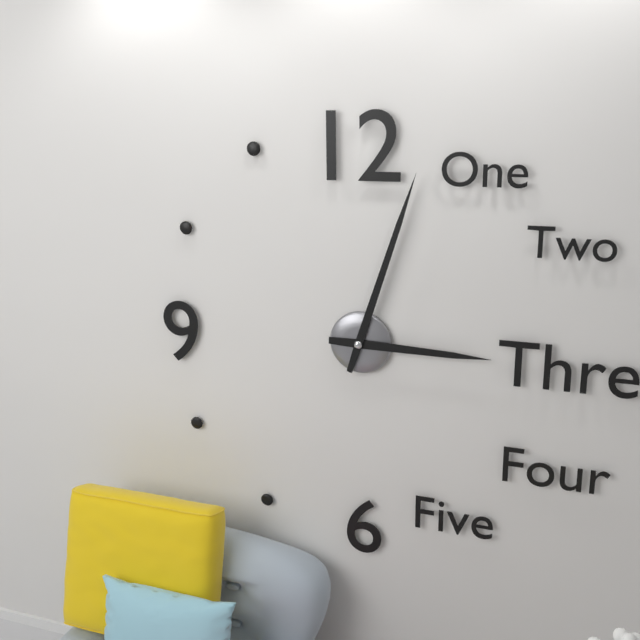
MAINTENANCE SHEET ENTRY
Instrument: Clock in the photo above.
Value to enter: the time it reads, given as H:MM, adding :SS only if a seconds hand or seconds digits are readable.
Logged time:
3:03
